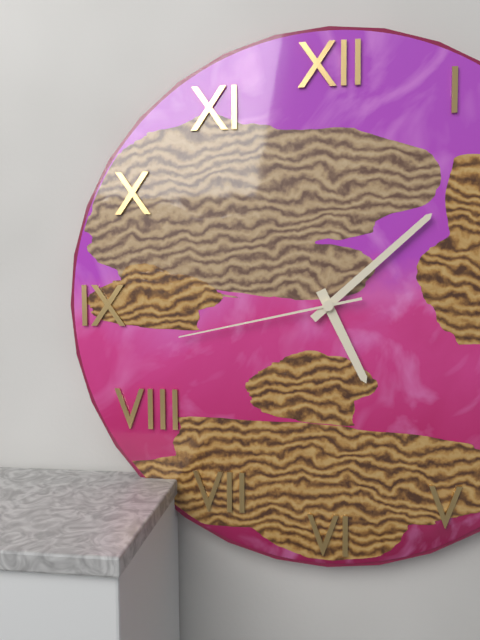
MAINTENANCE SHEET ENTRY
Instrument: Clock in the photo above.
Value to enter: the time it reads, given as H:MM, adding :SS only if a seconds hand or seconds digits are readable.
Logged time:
5:08:43
